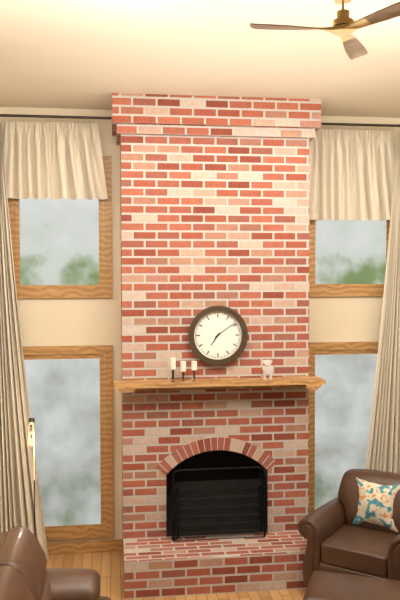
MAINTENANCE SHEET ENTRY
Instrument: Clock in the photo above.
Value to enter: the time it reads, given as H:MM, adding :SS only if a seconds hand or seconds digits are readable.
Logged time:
7:09
